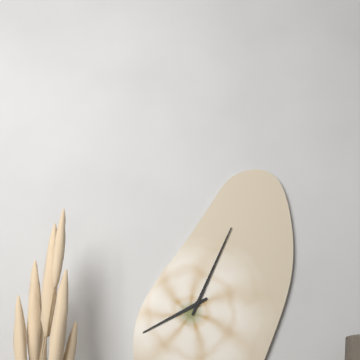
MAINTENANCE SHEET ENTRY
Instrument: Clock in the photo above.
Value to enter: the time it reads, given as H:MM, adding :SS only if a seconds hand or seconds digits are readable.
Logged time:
8:04
